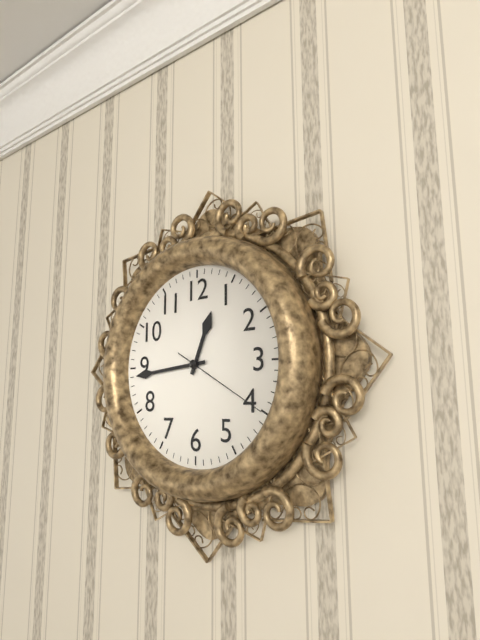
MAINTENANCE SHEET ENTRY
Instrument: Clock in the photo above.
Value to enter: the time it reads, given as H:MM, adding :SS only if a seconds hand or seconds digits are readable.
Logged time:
12:44:20
